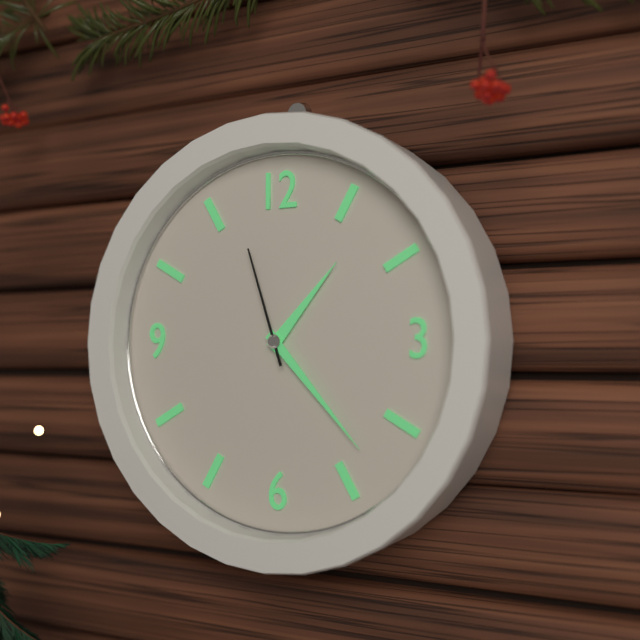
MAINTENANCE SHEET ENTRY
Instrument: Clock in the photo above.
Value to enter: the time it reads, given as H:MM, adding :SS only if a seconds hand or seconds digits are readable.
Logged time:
1:23:57
